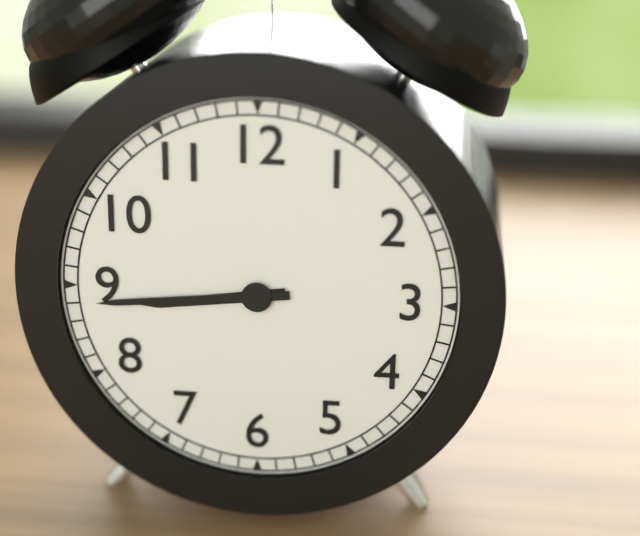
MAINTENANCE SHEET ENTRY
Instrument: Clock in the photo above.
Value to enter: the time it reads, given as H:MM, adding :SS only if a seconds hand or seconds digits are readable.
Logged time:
8:44
